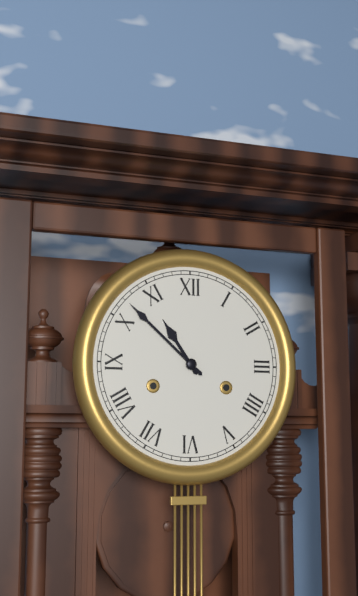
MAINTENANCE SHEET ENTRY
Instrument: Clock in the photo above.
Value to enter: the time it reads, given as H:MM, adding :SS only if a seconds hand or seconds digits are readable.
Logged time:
10:52
